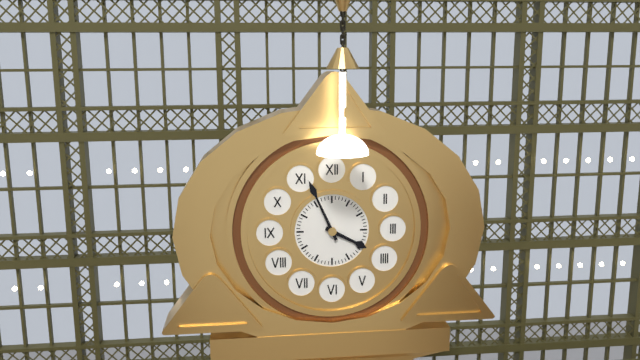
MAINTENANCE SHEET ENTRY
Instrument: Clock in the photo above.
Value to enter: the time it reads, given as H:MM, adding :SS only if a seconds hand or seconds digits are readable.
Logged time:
3:56
